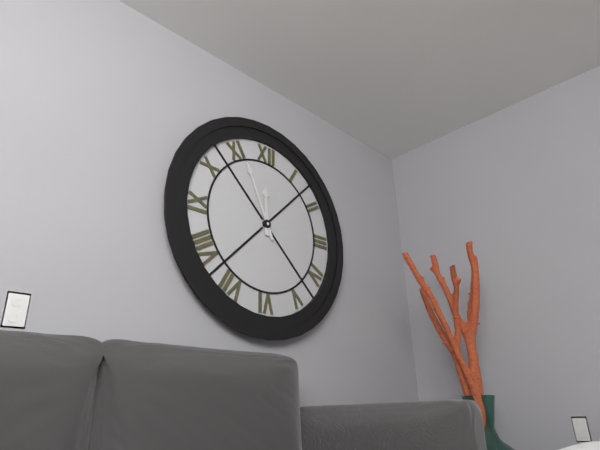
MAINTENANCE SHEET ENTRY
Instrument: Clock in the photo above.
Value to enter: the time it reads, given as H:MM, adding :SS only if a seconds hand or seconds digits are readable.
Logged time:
11:56
